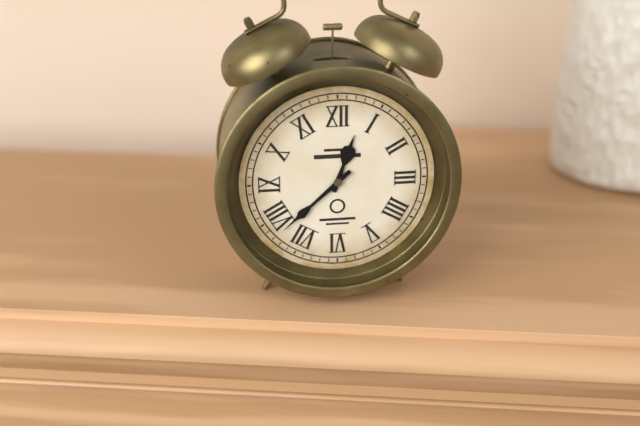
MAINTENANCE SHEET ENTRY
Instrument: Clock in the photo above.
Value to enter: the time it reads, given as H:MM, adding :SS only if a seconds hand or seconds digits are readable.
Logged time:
12:38
